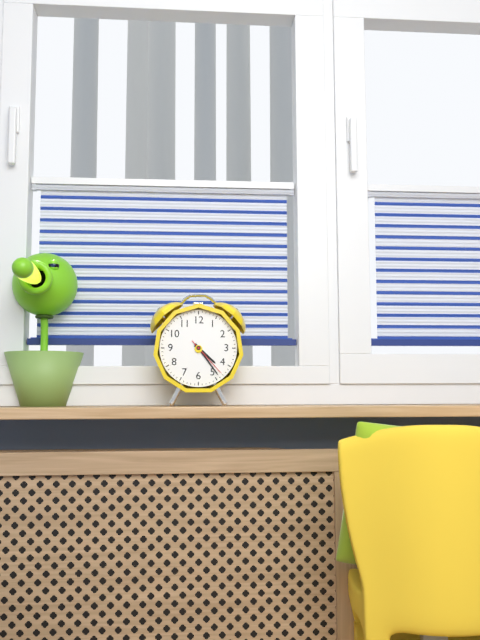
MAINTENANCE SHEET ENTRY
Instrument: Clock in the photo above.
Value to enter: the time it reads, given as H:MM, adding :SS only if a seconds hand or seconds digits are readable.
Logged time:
4:24
